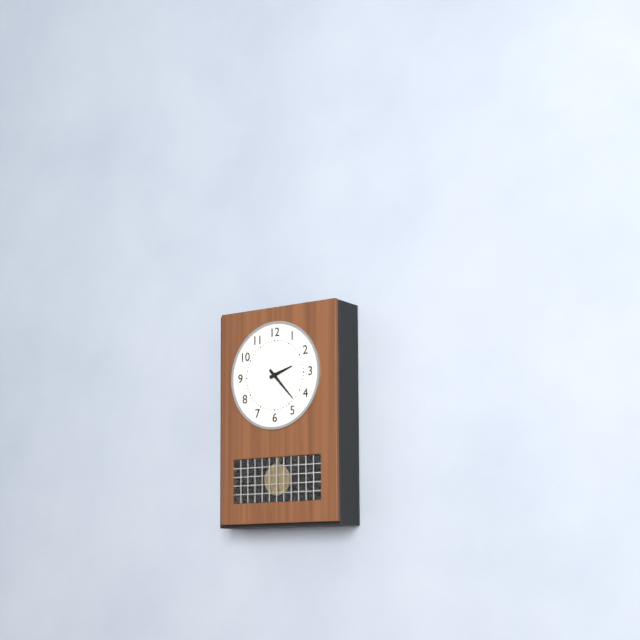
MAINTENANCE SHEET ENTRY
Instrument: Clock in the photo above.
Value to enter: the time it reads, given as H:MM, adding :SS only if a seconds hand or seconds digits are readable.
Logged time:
2:23
